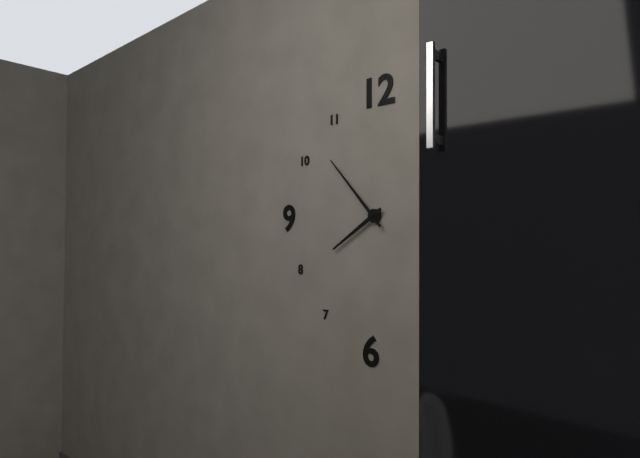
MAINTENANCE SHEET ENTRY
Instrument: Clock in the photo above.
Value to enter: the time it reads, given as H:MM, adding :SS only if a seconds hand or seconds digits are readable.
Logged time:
7:53
